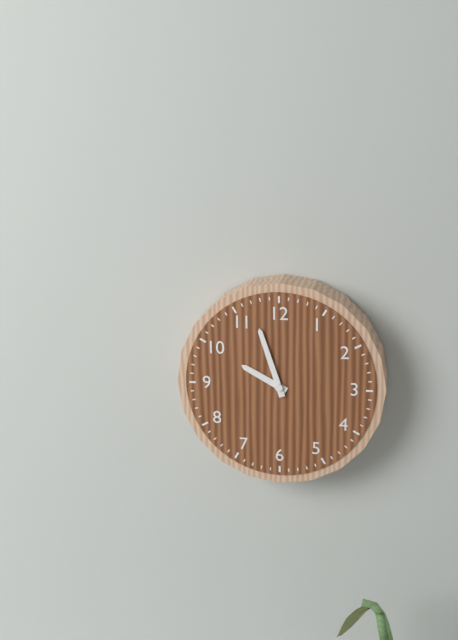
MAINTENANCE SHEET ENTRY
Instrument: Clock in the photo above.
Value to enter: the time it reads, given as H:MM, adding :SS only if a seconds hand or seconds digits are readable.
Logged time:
9:57
